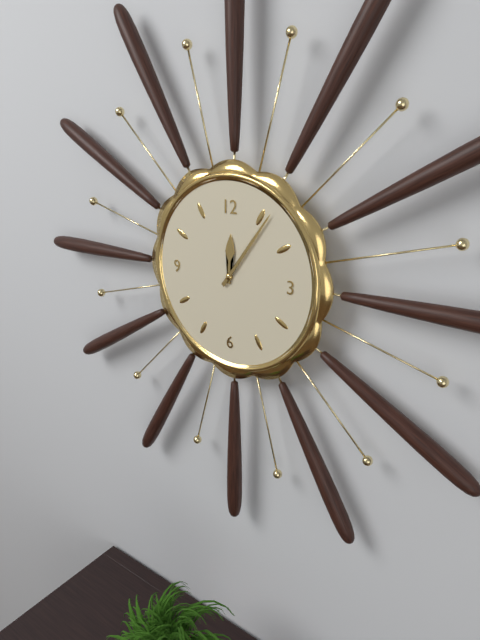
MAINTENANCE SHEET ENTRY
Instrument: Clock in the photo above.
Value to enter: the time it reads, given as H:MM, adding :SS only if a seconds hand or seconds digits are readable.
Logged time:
12:06
